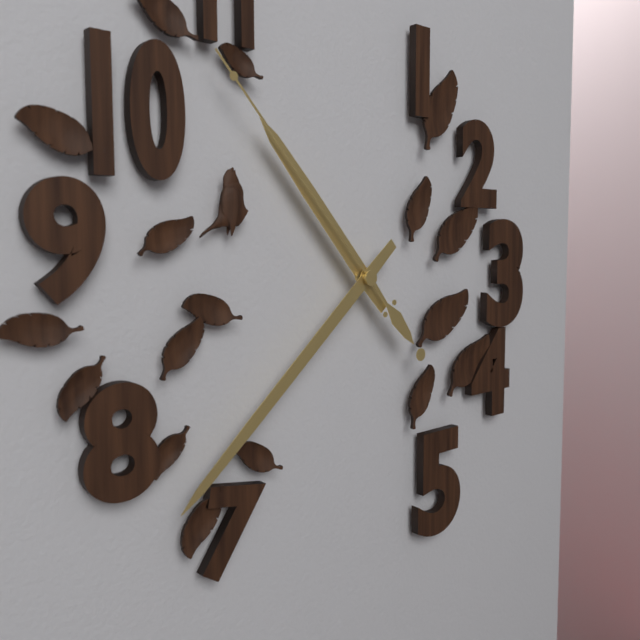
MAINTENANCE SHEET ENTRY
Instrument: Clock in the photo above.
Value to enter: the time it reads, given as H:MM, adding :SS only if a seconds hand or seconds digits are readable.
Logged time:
10:38:53
